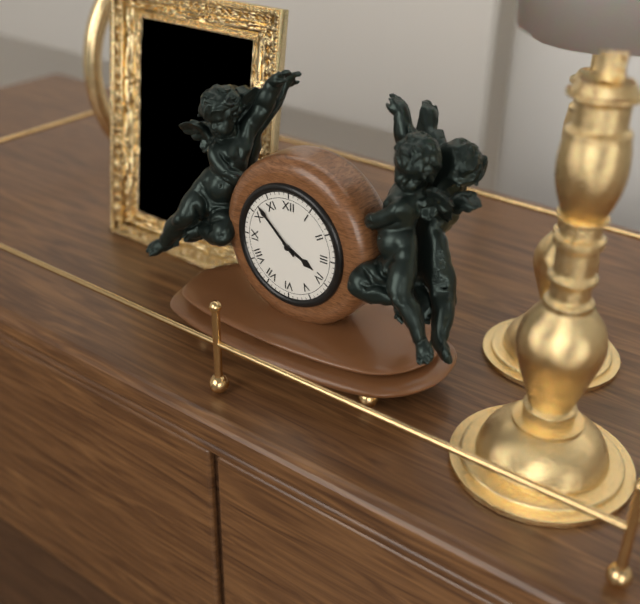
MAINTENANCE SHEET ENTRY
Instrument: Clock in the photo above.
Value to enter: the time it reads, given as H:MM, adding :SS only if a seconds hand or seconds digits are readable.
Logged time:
3:52
